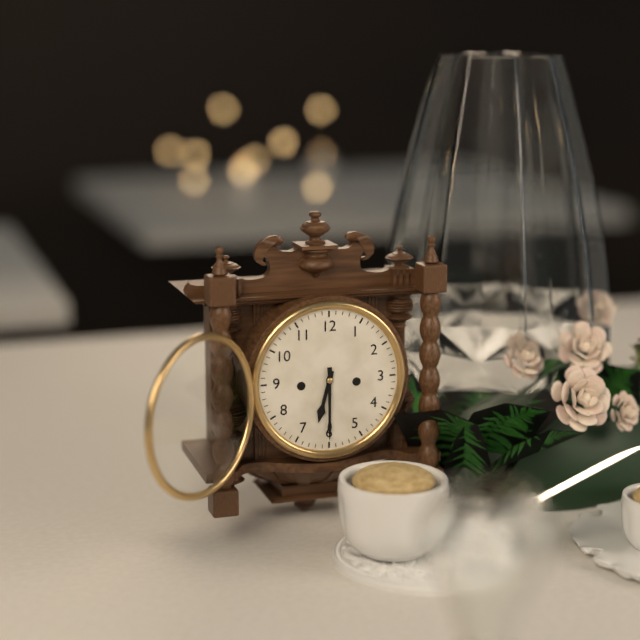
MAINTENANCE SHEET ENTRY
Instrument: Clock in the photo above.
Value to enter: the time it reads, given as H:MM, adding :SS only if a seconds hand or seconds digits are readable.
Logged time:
6:30
